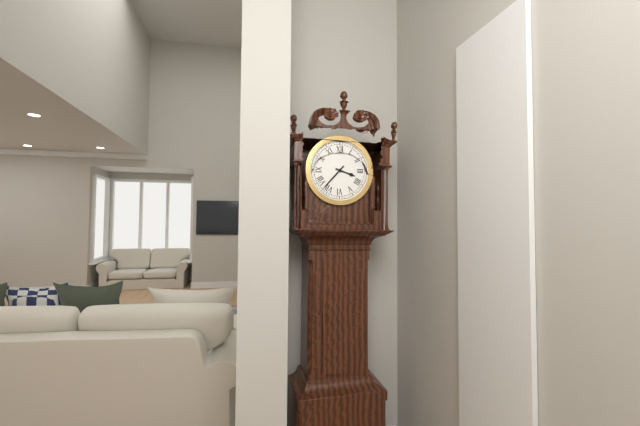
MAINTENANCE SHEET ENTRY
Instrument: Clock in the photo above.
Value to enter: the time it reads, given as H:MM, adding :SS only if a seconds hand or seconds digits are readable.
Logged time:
3:37
